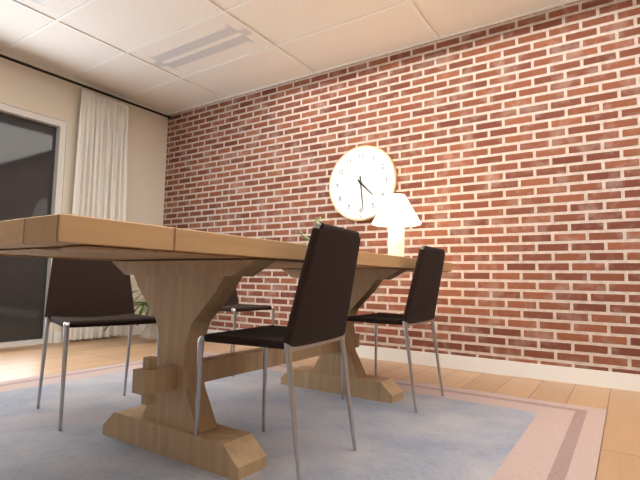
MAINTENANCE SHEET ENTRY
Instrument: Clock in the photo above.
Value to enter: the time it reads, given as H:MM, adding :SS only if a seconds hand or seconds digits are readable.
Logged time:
4:29
